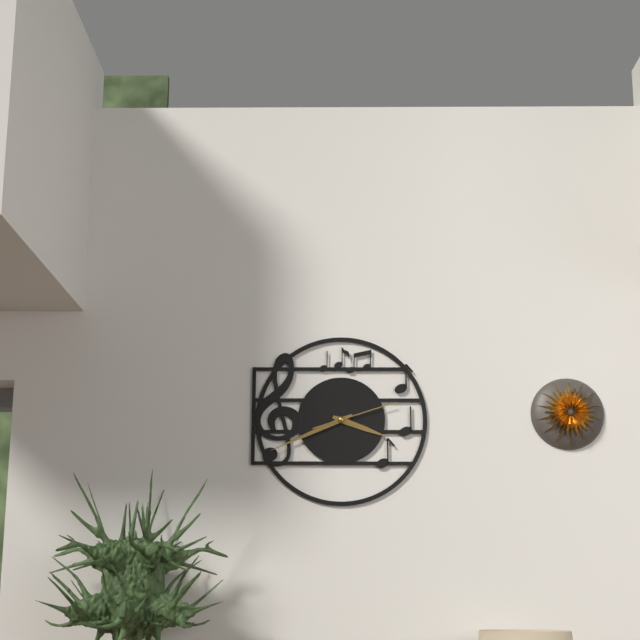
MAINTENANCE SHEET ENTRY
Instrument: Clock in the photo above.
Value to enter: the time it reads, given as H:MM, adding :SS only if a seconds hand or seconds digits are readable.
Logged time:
3:41:12
